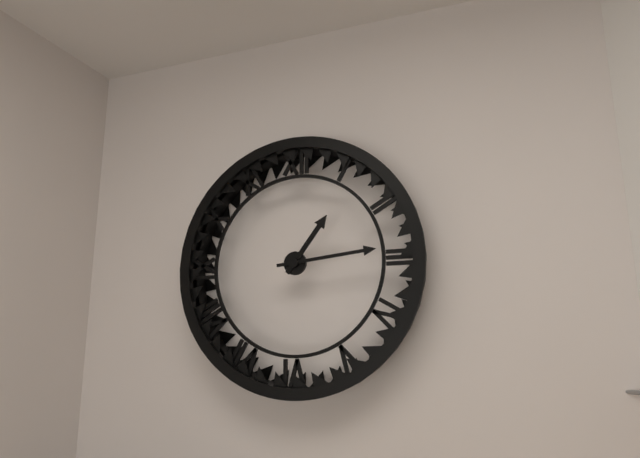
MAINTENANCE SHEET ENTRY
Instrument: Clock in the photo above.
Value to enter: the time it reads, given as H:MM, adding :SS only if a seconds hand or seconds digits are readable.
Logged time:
1:14
